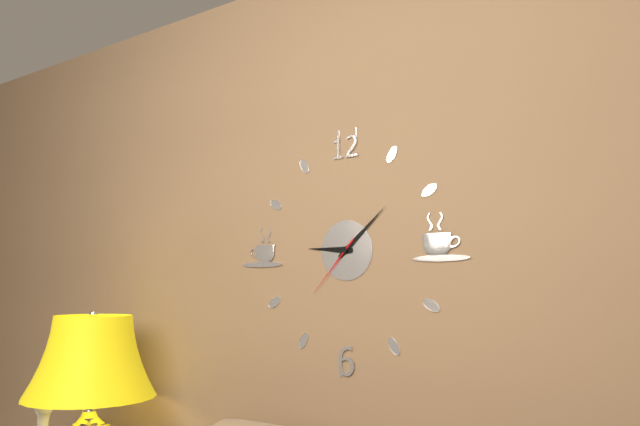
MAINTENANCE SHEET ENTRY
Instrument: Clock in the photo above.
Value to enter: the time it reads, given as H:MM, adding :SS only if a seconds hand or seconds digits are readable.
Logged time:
9:08:37
